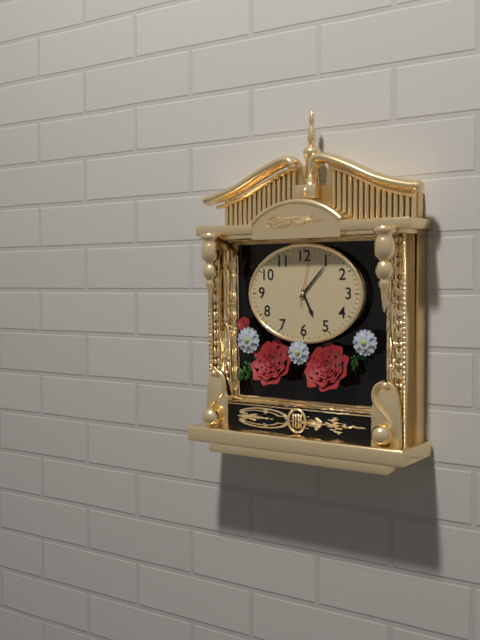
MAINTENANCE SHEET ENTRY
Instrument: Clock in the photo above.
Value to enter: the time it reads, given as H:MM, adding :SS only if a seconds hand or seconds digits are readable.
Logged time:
5:07:02
